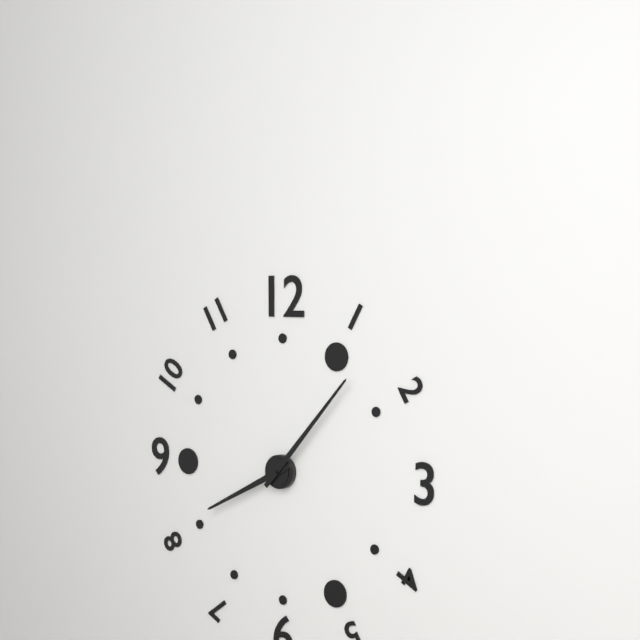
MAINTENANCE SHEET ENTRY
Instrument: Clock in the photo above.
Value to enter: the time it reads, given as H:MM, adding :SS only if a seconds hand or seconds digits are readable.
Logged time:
8:07
